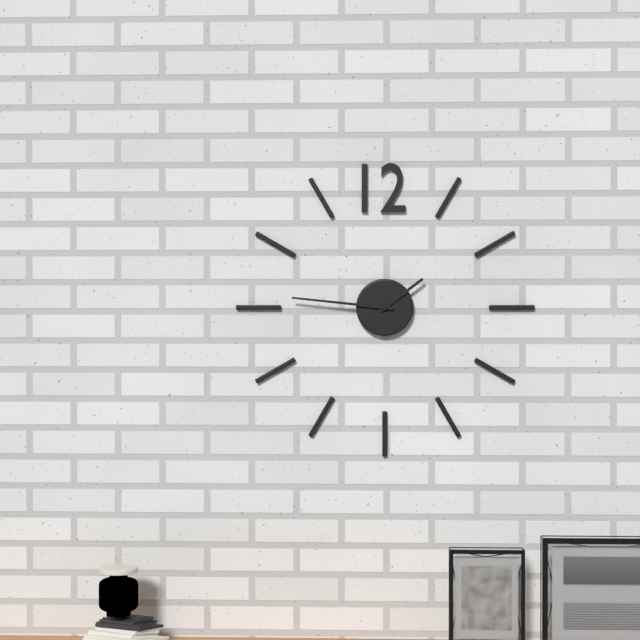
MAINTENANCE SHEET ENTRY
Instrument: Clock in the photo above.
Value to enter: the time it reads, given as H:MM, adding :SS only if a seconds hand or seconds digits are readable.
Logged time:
1:46
